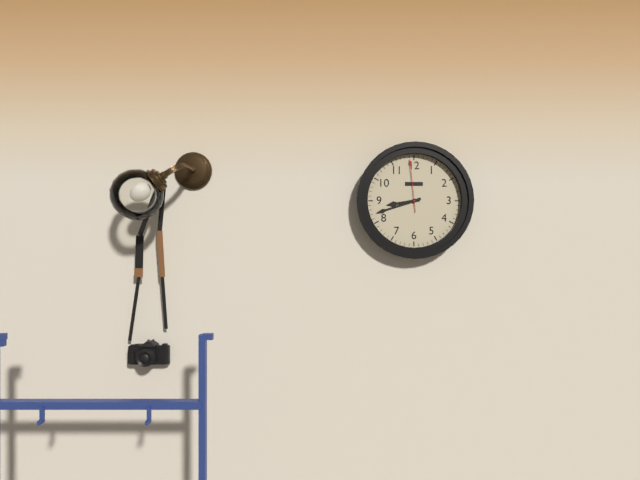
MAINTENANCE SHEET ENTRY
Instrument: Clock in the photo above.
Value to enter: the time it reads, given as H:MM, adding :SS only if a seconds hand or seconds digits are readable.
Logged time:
8:42:59
